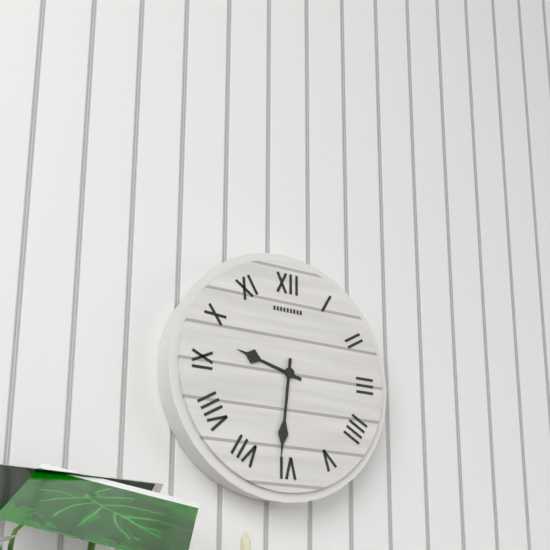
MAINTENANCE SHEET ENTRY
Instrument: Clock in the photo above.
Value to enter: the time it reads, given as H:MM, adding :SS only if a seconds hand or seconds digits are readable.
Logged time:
9:31
